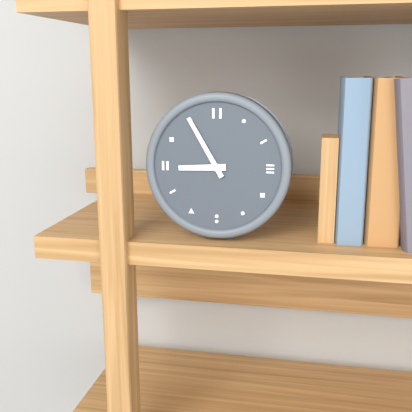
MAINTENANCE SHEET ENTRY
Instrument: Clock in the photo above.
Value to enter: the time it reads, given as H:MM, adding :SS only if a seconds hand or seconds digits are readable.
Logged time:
8:55
